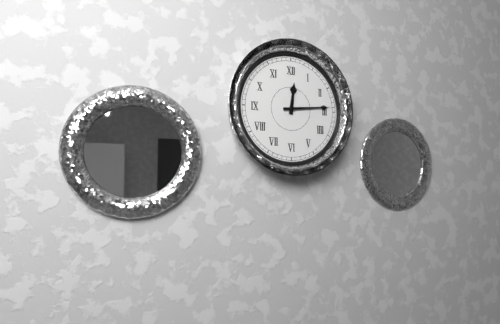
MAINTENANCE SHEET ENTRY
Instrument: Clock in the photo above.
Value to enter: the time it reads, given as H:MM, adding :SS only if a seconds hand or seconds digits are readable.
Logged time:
12:14
